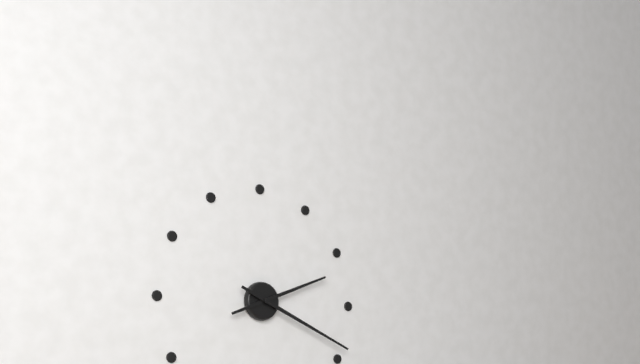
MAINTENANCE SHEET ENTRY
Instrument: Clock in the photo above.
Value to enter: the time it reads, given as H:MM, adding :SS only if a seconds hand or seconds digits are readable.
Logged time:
2:19
